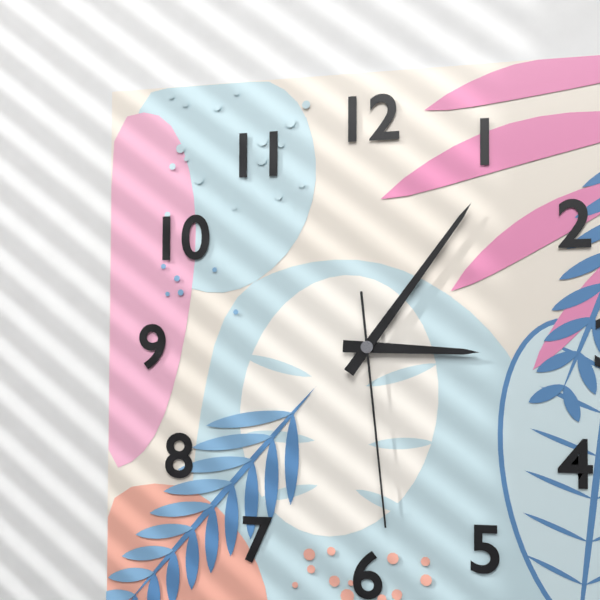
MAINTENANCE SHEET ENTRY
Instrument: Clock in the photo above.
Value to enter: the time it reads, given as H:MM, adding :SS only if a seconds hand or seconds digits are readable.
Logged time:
3:06:29
